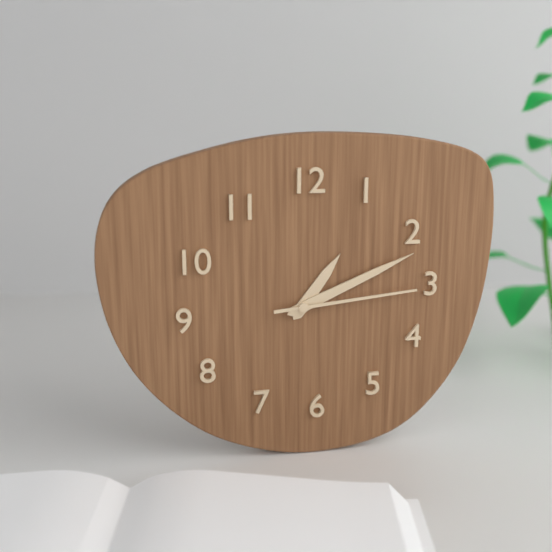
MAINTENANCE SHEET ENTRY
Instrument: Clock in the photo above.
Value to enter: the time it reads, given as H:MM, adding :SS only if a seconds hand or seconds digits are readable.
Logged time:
1:11:14
